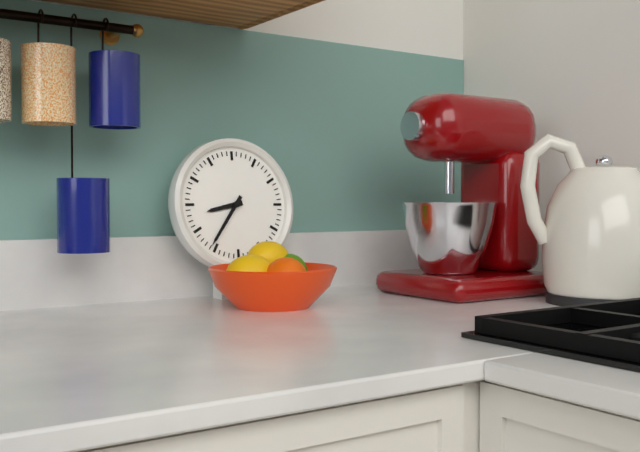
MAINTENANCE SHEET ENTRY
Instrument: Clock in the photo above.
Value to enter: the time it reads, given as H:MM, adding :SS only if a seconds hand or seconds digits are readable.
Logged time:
8:36
